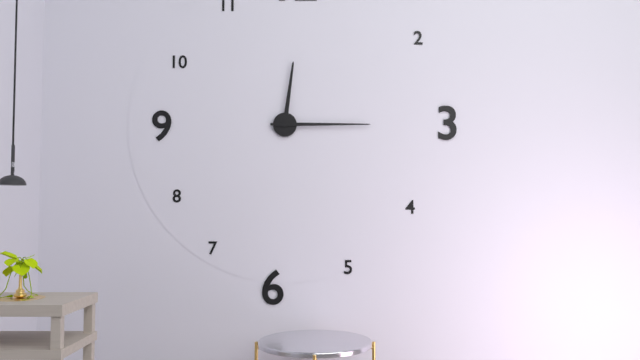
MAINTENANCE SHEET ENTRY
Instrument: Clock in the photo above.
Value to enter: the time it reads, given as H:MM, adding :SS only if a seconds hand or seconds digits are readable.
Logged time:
12:15
